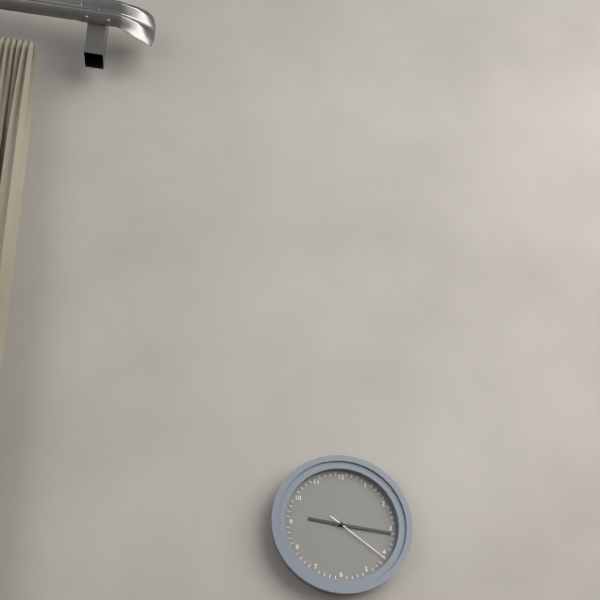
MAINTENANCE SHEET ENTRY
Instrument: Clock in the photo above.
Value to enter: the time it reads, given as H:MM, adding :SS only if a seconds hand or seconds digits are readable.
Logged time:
9:16:21
